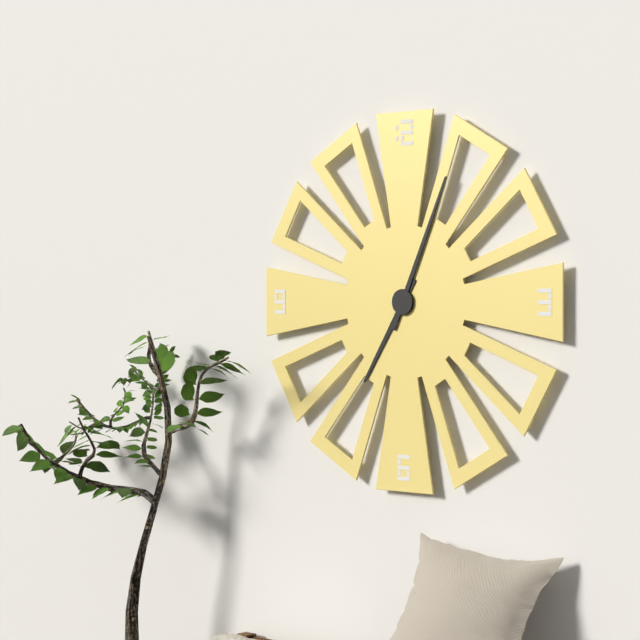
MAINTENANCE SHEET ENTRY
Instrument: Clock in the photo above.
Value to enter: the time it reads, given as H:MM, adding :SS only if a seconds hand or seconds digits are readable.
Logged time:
7:04
